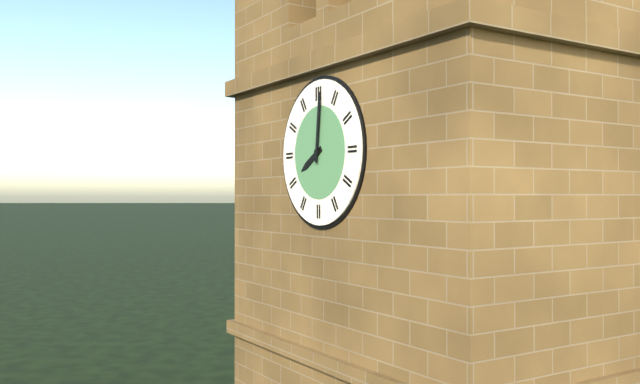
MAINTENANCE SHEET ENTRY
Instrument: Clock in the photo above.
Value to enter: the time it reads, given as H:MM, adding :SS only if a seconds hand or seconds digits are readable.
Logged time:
8:01
